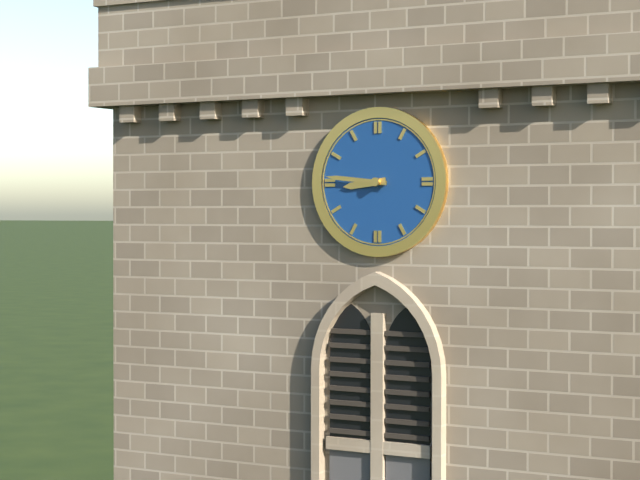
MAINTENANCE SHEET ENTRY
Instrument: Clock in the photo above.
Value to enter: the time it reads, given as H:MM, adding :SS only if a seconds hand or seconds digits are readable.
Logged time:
8:46
